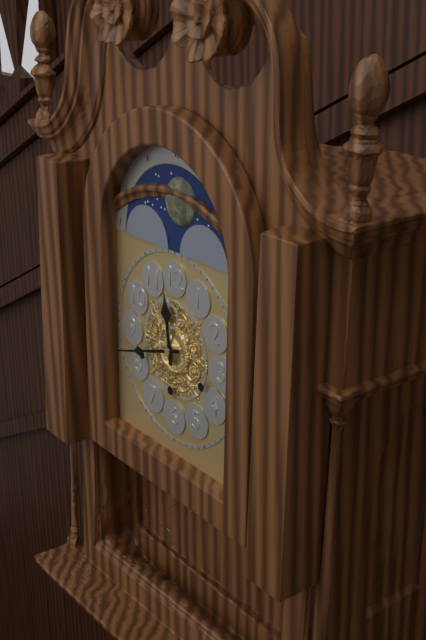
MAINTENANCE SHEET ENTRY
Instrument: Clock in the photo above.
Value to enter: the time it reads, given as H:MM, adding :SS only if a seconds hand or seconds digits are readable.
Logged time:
11:42
